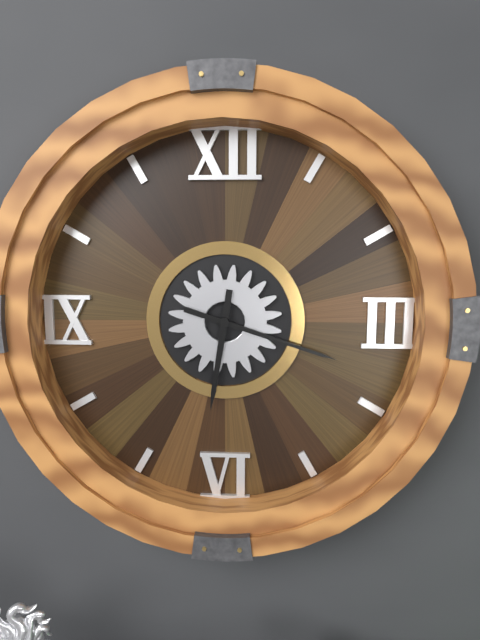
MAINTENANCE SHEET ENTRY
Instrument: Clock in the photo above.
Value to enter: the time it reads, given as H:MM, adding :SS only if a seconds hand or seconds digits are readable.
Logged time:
6:18
